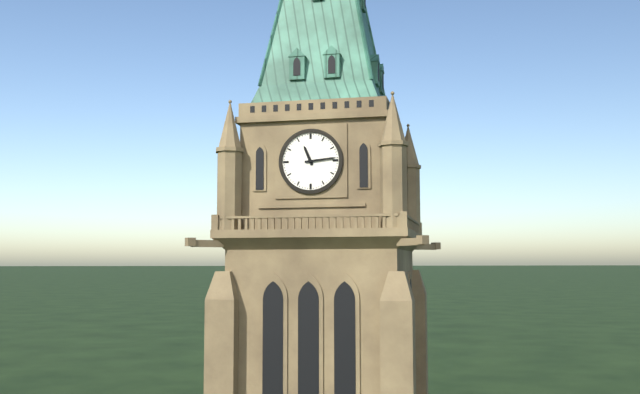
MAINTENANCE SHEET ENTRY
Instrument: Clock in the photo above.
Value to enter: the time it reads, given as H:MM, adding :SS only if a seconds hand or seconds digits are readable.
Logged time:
11:14
